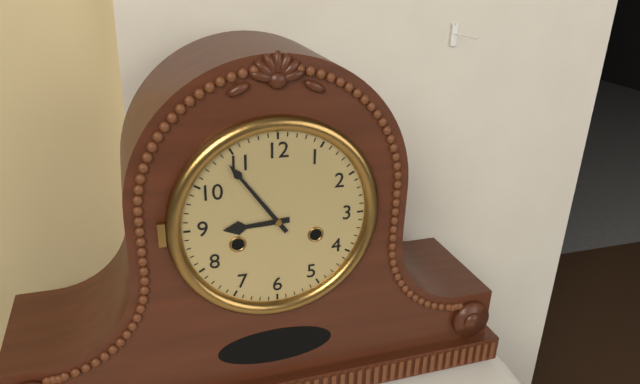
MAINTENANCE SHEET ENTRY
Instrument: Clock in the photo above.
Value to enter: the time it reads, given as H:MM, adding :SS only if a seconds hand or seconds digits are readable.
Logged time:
8:54
